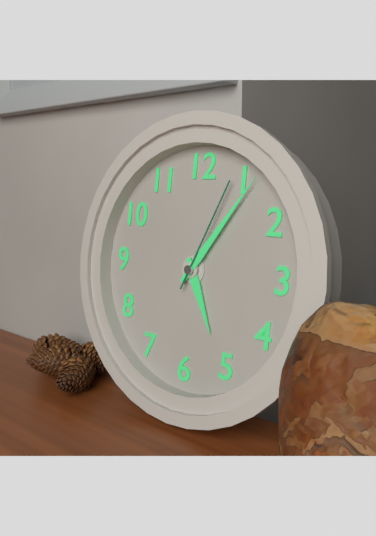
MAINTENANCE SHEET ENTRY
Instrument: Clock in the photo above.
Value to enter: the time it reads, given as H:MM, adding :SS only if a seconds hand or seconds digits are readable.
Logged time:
5:06:04
